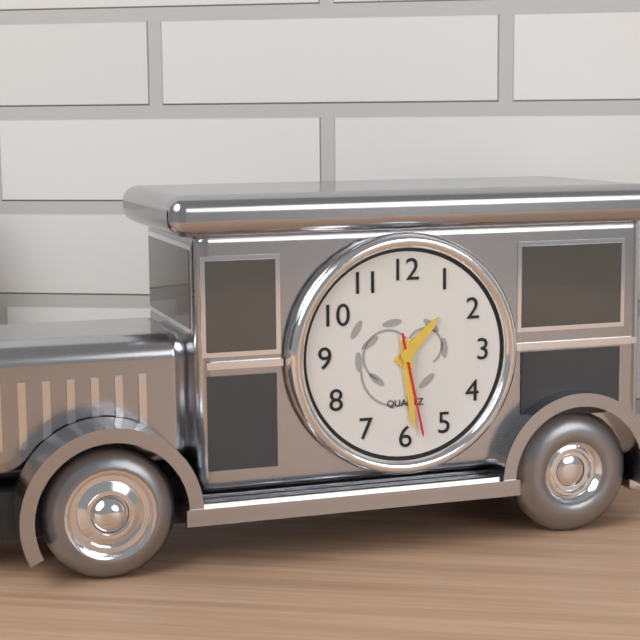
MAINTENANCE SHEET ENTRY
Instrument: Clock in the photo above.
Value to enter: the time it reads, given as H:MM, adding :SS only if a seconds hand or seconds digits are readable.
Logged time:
1:29:28
